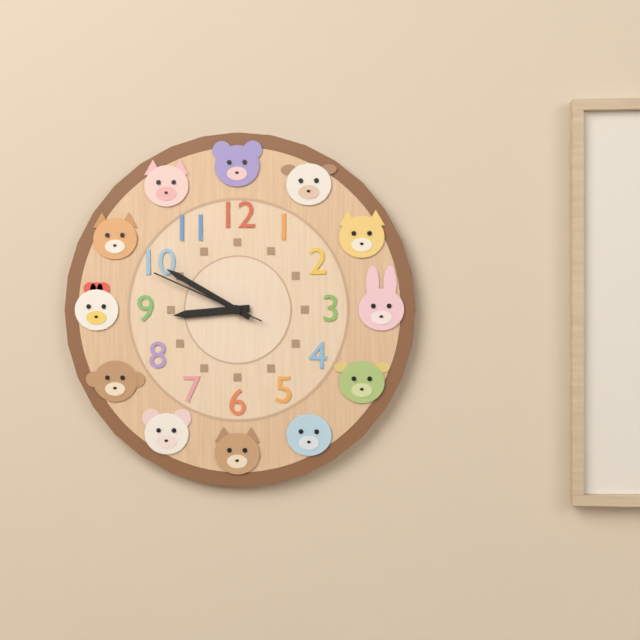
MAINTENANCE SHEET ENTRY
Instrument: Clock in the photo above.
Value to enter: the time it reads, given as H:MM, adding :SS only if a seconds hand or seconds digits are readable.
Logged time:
8:50:49
